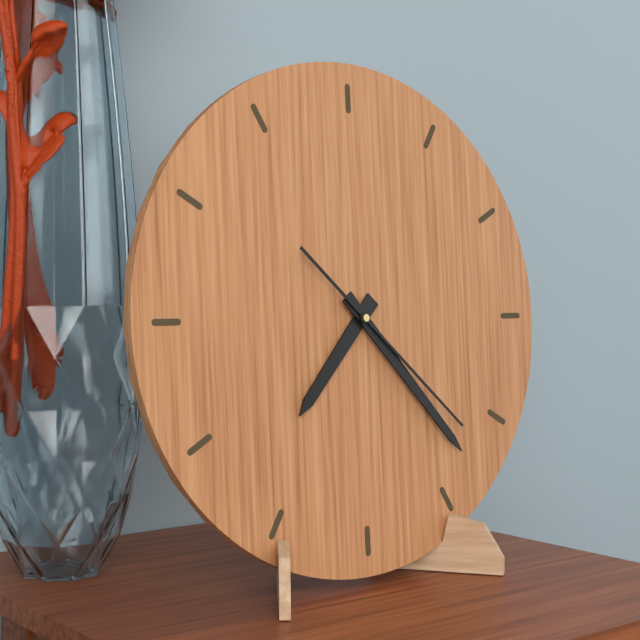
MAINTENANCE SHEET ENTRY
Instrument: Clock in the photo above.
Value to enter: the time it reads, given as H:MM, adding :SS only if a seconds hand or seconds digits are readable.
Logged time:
7:23:22
